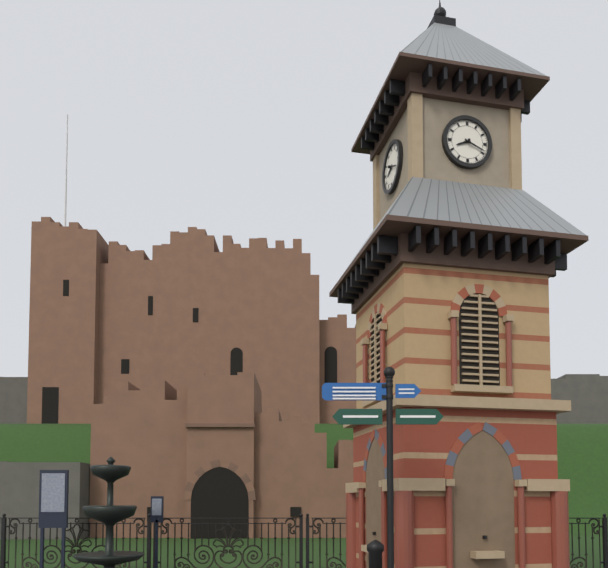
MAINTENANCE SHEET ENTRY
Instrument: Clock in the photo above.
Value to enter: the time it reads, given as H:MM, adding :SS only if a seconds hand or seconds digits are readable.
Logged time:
8:19
